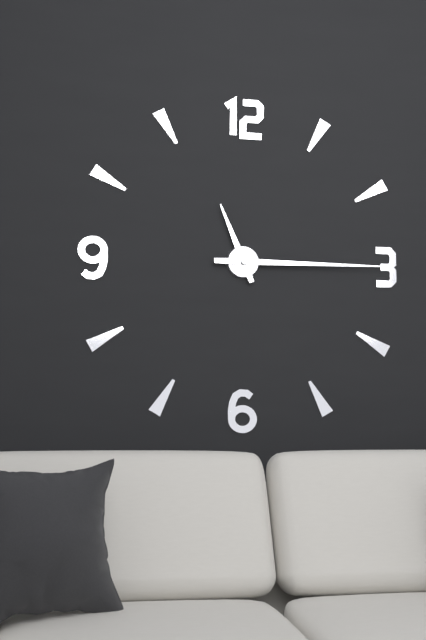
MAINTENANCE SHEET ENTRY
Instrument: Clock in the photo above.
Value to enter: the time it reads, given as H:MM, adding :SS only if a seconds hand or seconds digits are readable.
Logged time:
11:15
